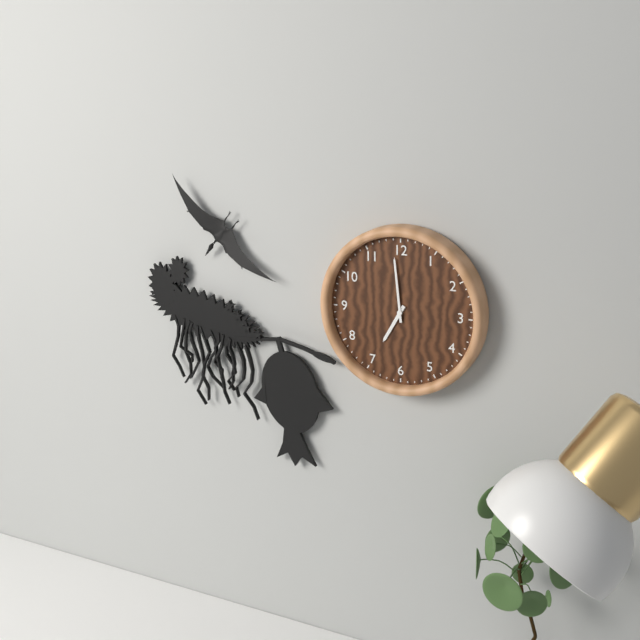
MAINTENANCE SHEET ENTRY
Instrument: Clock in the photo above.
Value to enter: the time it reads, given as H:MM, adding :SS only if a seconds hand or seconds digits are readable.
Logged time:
6:59
